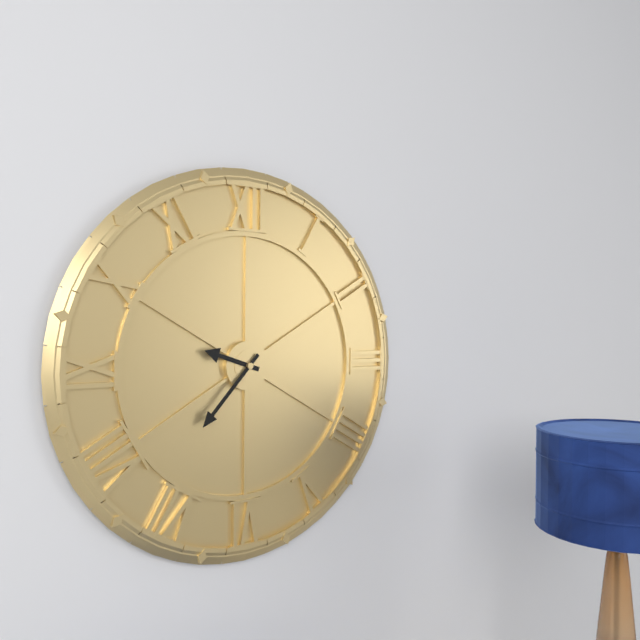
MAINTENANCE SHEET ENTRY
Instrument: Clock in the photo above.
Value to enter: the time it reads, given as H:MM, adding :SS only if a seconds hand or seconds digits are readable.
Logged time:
9:37
